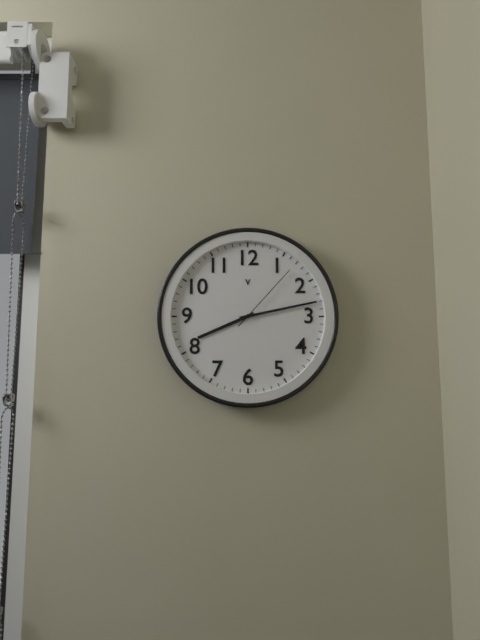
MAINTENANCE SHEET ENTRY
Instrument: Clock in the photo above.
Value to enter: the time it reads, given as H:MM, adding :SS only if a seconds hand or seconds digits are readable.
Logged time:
8:13:07
